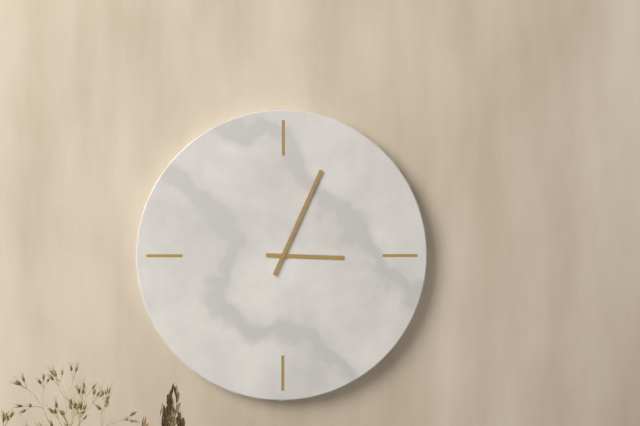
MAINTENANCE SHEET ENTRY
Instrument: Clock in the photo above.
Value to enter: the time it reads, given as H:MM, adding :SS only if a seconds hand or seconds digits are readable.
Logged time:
3:04
